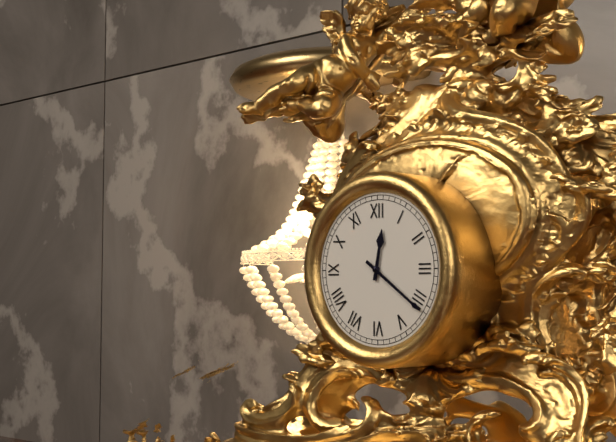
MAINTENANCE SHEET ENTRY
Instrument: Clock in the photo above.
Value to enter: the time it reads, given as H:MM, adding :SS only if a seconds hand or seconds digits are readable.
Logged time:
12:21
